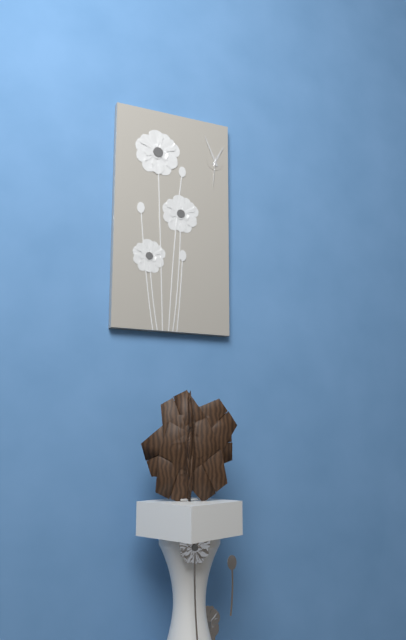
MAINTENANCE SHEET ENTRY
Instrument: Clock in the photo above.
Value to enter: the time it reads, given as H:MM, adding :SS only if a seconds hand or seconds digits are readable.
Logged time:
12:56
